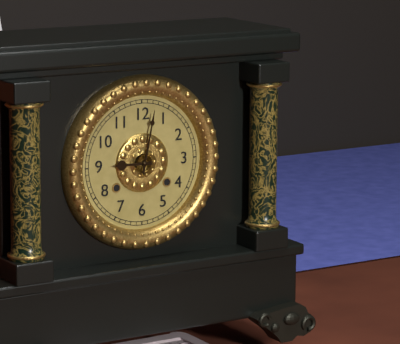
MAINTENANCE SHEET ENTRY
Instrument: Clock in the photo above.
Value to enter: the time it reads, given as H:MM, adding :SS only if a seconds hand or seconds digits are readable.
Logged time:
9:02
